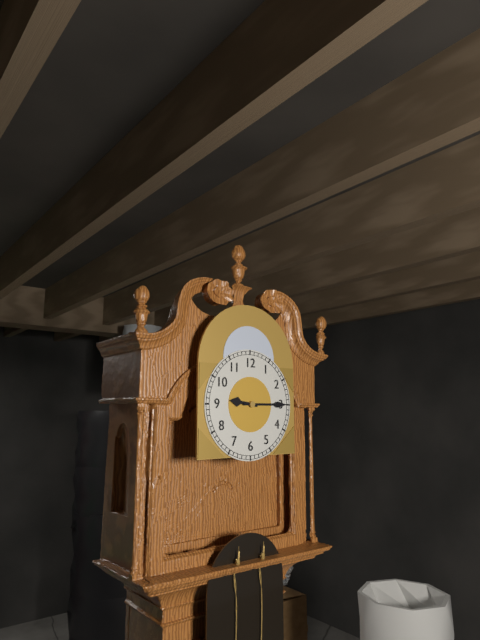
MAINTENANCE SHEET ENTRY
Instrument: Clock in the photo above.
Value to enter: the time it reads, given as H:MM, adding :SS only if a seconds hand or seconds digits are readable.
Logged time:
9:15
